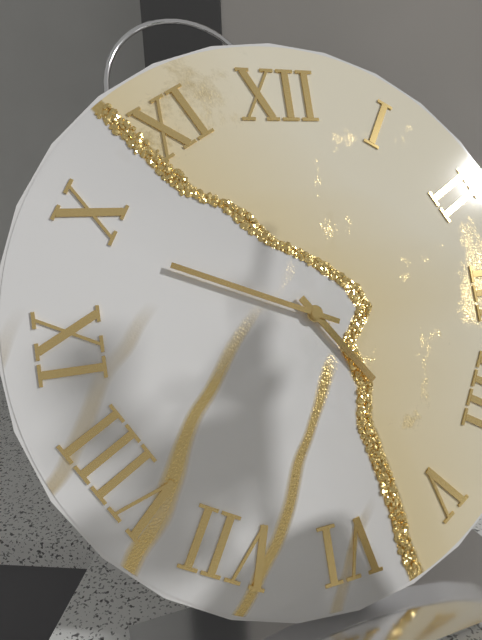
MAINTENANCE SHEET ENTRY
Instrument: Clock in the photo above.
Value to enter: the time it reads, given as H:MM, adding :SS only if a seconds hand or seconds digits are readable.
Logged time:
4:49
